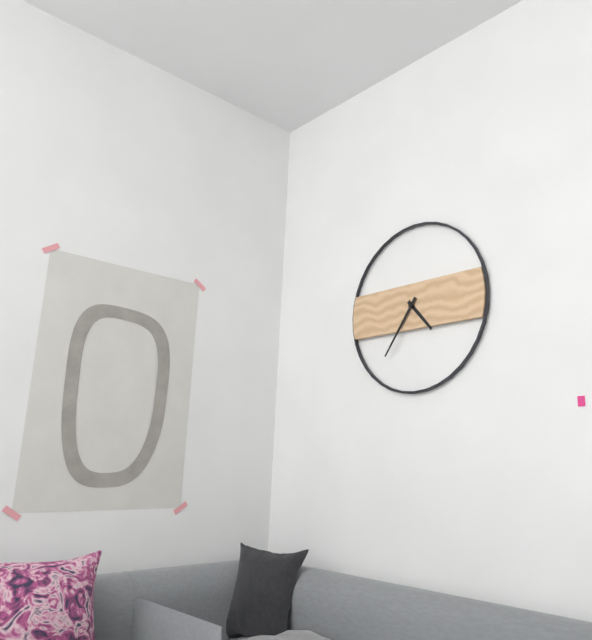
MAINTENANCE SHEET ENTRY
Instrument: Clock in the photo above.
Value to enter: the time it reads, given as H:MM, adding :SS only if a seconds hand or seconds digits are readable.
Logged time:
4:36
